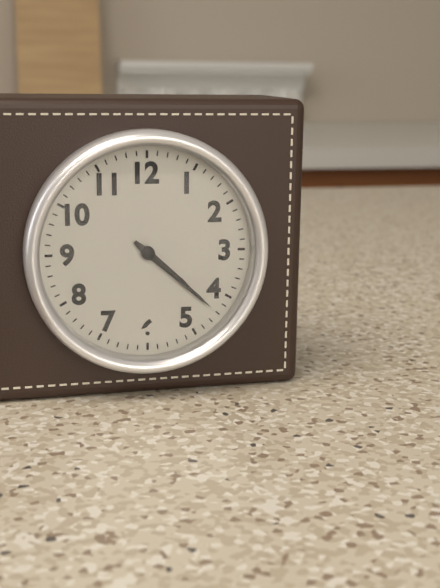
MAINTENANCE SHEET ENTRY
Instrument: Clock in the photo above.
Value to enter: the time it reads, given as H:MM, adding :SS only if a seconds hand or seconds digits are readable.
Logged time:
4:22
